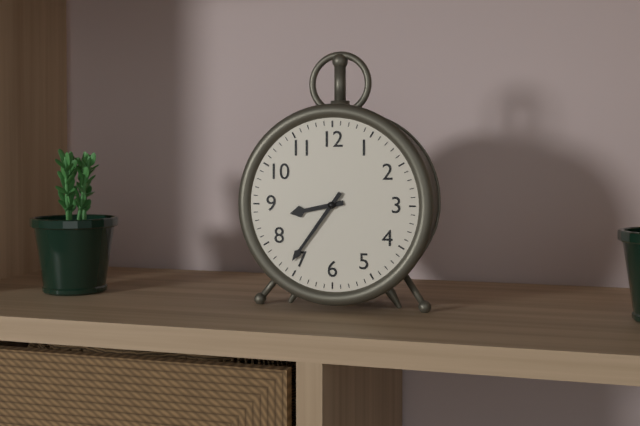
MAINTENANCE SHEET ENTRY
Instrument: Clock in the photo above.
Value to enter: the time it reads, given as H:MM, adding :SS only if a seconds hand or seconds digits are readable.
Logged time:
8:36
